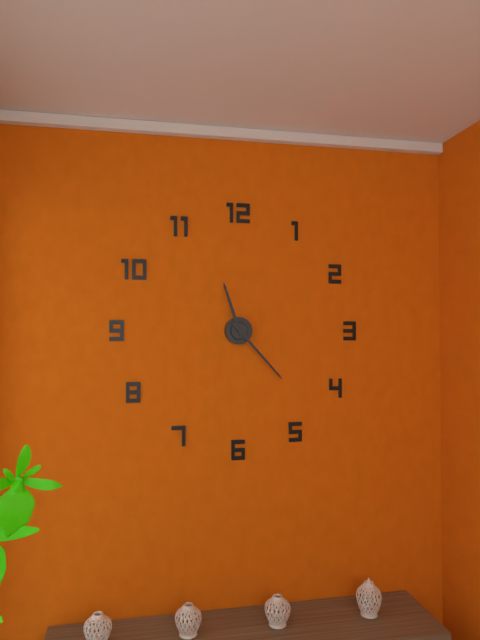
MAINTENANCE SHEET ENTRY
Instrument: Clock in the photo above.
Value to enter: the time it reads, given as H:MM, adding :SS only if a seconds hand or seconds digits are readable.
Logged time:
11:23
